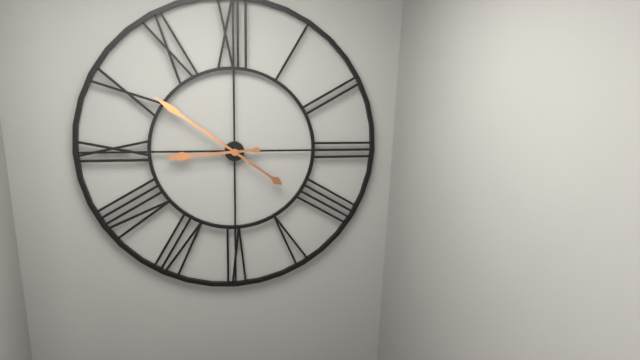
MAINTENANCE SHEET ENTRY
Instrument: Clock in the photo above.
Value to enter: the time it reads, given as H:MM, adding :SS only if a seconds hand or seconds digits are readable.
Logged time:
8:51
